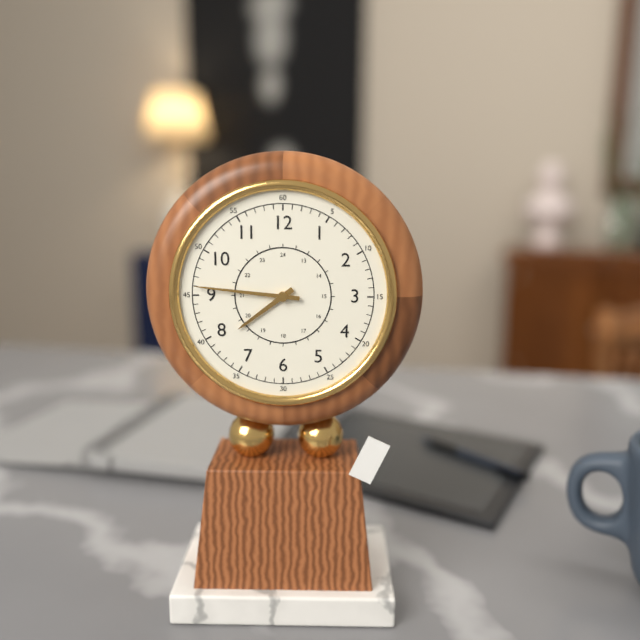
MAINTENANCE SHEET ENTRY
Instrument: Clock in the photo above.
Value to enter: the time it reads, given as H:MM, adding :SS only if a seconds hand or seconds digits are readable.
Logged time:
7:46
